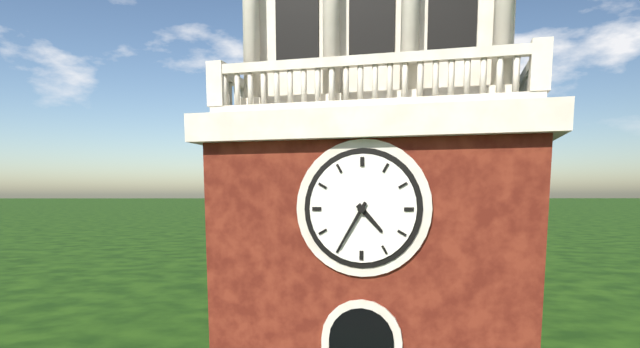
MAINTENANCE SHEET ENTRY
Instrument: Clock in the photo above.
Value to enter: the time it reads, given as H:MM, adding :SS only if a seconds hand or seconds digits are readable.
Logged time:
4:35
